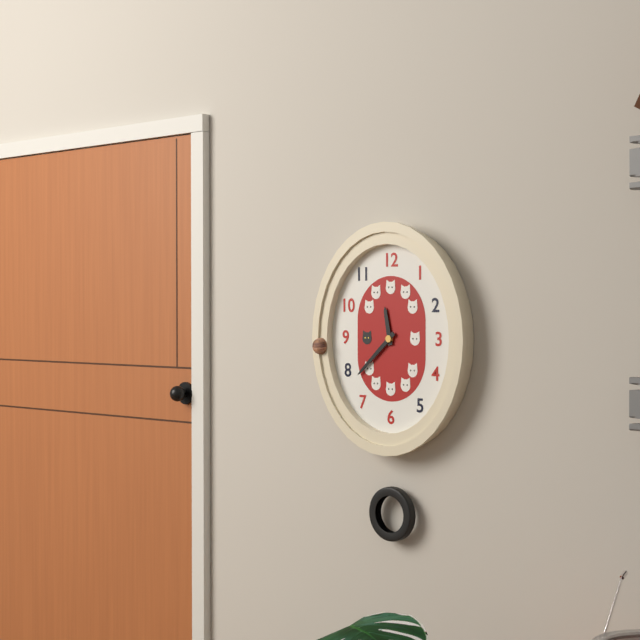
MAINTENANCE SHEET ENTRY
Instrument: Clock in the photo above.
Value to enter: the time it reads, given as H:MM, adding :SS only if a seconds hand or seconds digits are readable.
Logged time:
11:38
